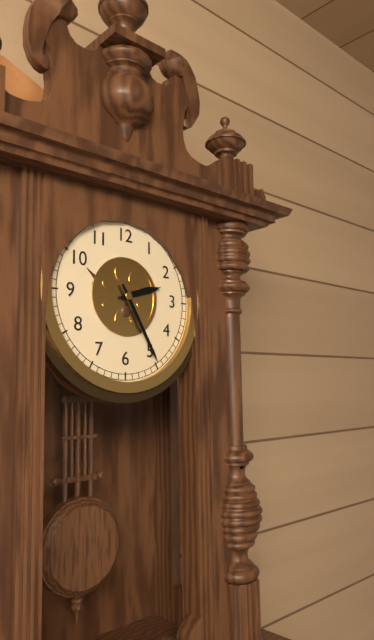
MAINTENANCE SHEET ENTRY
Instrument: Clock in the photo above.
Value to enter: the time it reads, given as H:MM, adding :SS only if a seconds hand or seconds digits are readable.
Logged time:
2:25
